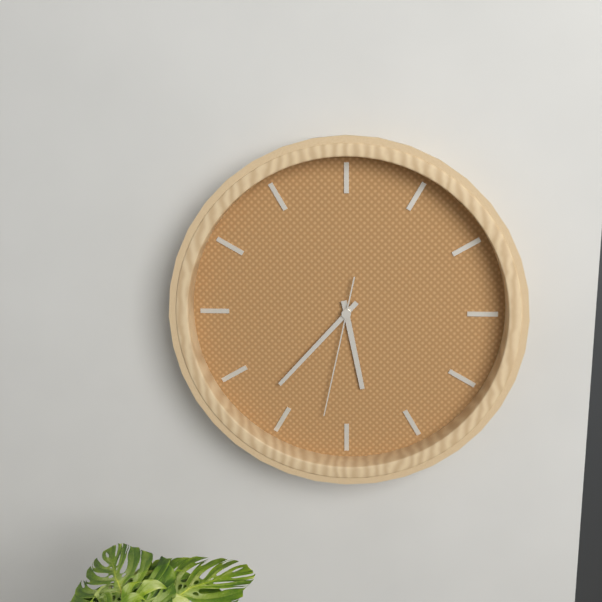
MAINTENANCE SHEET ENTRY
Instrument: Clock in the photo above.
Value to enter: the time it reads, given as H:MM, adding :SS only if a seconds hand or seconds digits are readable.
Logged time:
5:37:32
